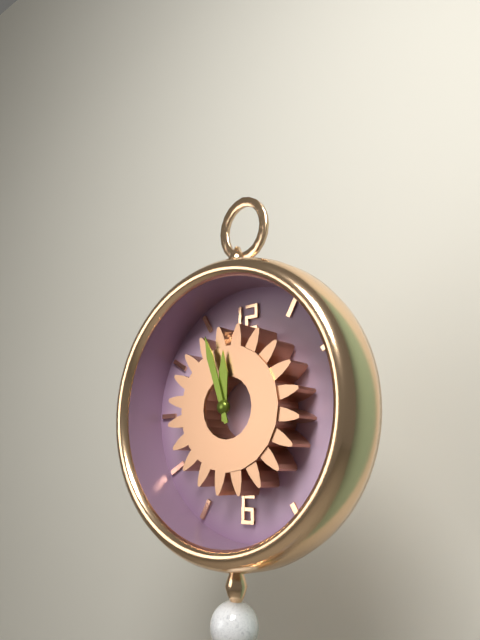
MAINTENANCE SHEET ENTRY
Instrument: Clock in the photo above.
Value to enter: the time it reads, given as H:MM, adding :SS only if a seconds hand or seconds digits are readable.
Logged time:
11:57
